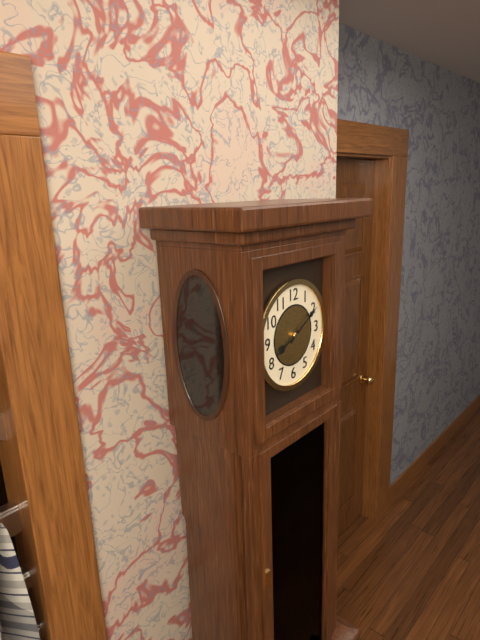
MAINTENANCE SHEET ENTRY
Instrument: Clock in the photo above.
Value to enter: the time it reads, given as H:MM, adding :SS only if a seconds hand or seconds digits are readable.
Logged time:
8:10
